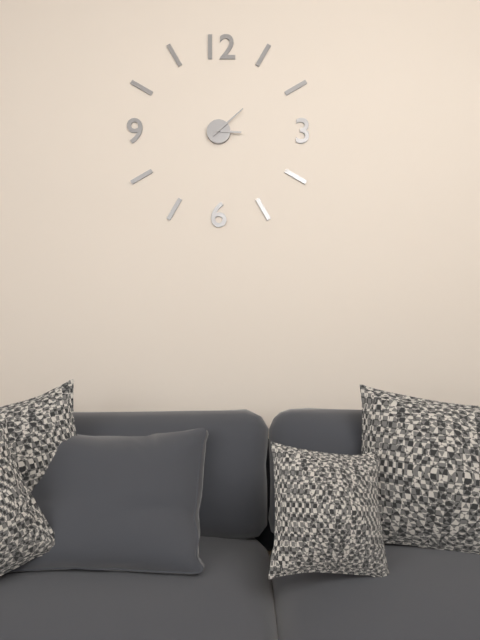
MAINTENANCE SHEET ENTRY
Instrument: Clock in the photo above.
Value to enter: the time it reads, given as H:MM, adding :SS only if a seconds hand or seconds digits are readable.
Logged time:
3:08
